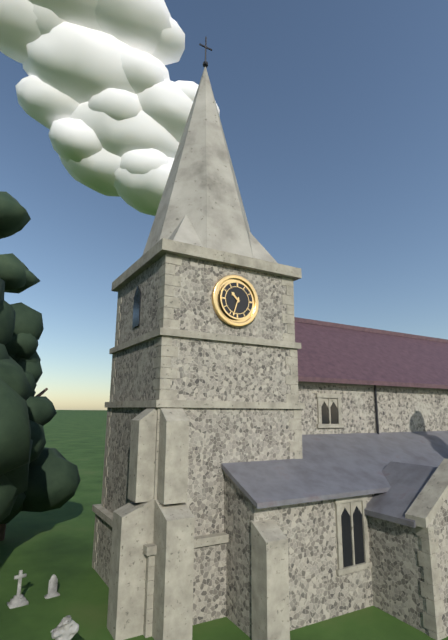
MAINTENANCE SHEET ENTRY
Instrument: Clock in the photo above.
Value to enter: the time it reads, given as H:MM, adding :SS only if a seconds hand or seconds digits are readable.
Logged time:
10:33
